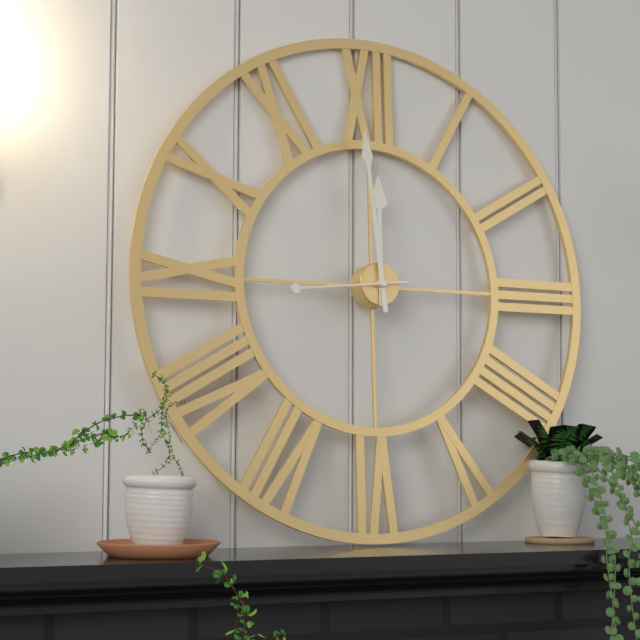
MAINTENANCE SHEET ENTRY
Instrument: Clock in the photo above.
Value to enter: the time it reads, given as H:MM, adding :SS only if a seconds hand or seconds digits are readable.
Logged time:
11:59:44
